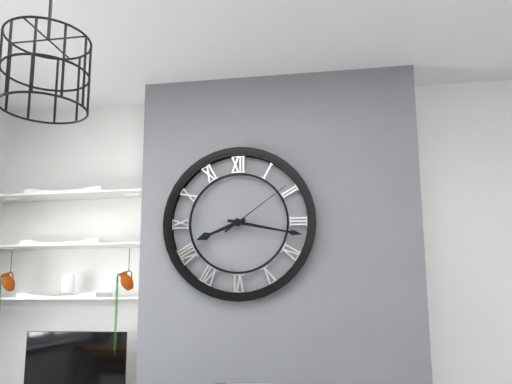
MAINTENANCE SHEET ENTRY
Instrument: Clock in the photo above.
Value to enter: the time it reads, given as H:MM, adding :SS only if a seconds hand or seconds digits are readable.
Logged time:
8:17:09
